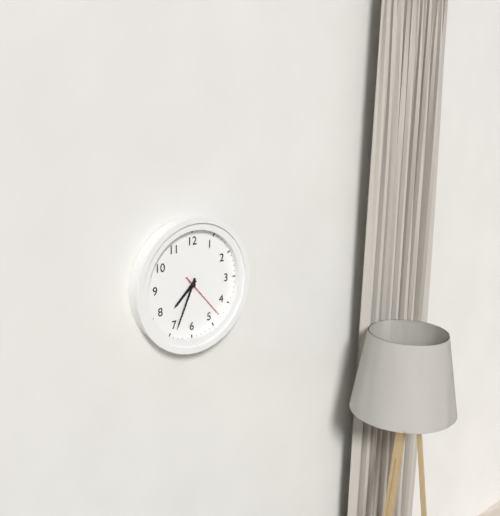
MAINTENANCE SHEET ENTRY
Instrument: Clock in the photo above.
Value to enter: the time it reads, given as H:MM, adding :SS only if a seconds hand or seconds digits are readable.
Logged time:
7:34
